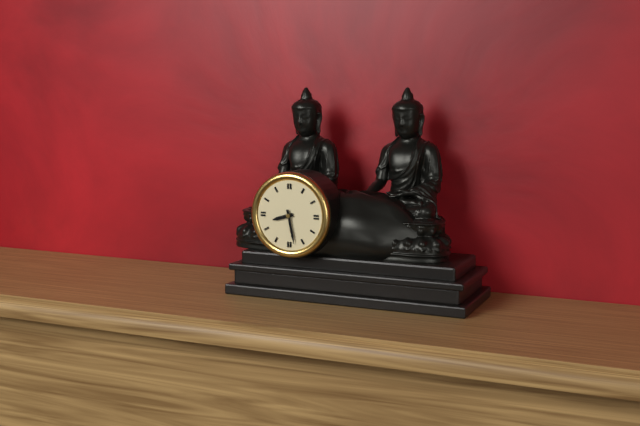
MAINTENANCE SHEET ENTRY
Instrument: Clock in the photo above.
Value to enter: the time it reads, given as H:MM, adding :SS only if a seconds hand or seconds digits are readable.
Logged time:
8:28
